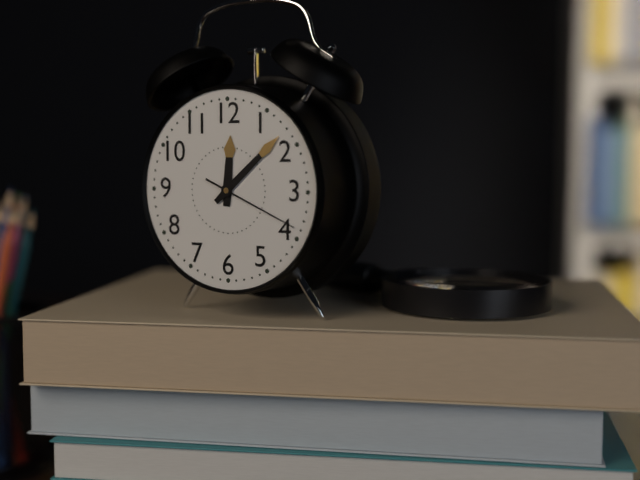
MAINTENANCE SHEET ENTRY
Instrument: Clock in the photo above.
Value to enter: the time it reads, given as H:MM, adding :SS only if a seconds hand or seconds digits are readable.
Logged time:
12:08:19
